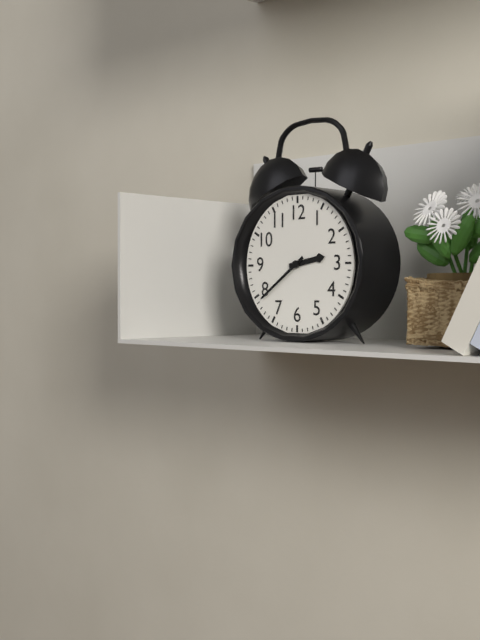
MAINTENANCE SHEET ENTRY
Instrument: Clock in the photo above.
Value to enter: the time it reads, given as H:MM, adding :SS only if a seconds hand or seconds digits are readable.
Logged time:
2:39
